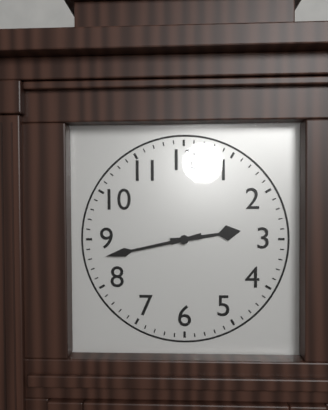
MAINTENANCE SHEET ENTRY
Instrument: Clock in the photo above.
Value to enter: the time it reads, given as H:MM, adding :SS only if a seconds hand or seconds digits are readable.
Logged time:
2:43
